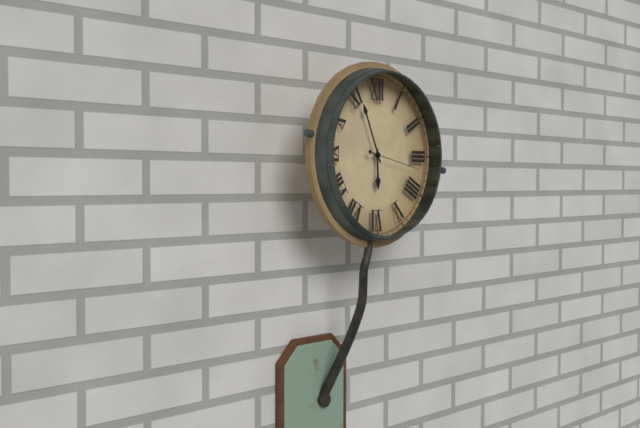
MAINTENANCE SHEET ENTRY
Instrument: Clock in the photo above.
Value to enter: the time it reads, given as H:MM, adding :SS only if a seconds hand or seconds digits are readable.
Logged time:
5:56:17
